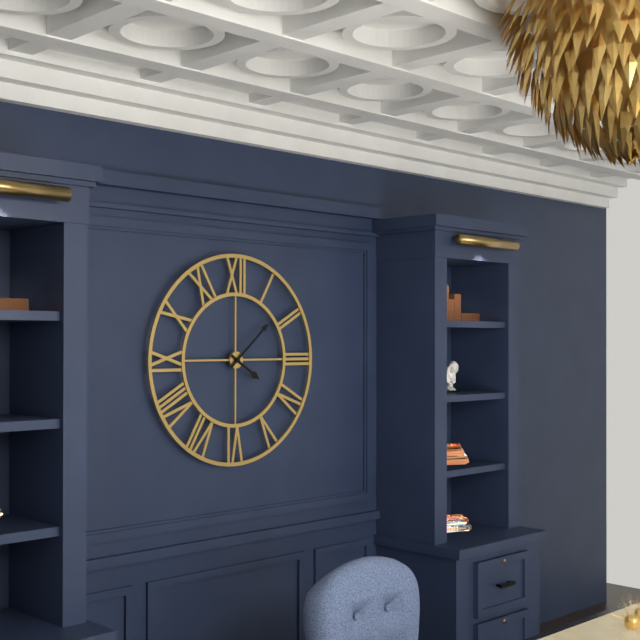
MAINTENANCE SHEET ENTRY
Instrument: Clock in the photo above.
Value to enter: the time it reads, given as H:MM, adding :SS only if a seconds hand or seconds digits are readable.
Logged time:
4:08
